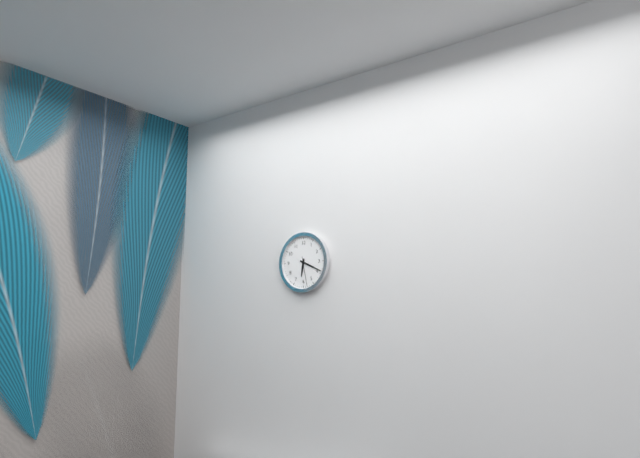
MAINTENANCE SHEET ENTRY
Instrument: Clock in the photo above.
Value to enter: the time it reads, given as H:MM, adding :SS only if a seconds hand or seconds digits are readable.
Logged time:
6:19
